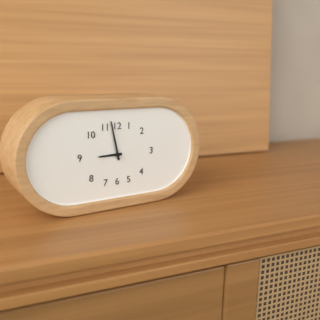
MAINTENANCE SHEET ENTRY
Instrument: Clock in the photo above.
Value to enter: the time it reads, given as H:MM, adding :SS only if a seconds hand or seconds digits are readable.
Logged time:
8:58
